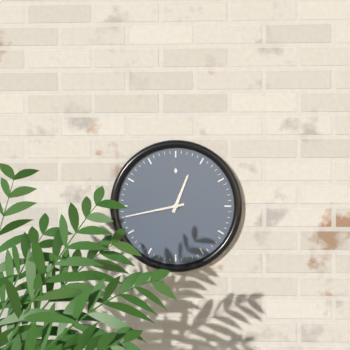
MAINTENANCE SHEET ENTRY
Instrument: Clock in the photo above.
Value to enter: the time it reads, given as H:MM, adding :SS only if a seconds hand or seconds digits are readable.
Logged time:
12:43
